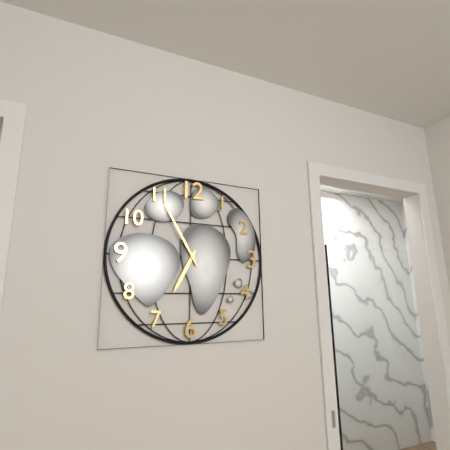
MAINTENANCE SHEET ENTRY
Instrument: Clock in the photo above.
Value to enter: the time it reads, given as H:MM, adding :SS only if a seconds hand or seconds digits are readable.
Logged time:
6:55
